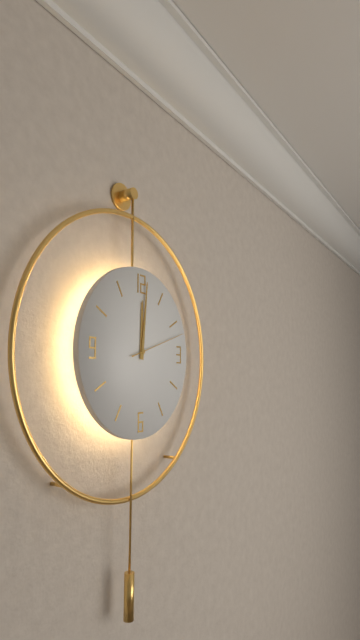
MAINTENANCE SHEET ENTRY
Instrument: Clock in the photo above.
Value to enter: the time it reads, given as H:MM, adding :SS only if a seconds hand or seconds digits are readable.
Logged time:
12:01:12
